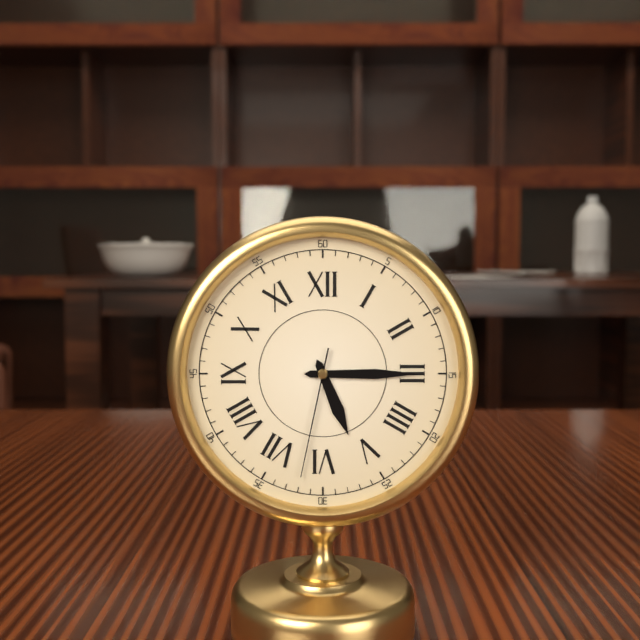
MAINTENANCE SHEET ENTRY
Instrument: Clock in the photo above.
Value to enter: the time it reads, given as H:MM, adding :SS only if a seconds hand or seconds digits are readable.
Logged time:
5:15:32
